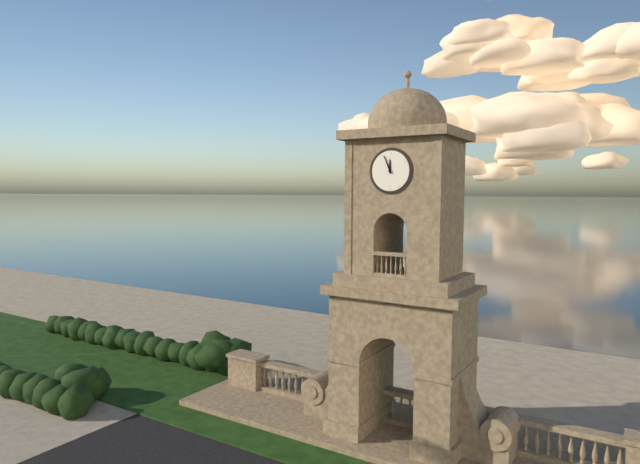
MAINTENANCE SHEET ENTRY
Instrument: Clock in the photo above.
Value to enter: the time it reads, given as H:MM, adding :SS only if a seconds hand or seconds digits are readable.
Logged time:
11:56
